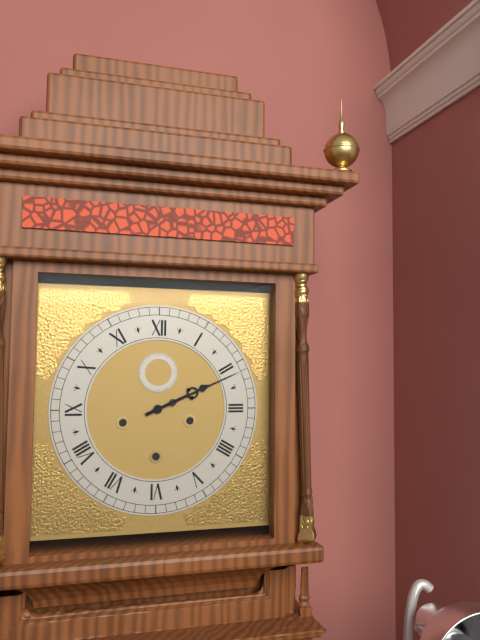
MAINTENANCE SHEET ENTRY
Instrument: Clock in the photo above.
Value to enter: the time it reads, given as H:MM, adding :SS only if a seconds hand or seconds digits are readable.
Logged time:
2:11
